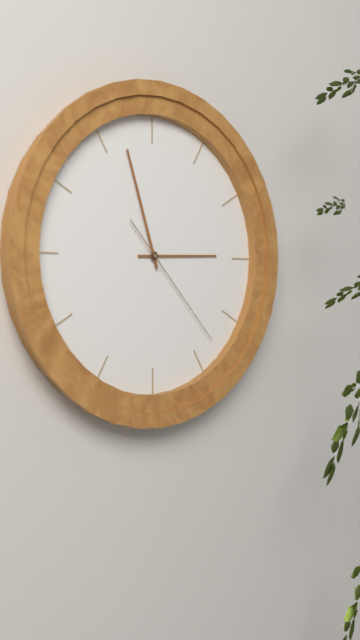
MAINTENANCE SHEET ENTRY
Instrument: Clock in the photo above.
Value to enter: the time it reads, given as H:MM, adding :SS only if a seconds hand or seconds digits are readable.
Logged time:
2:57:23
